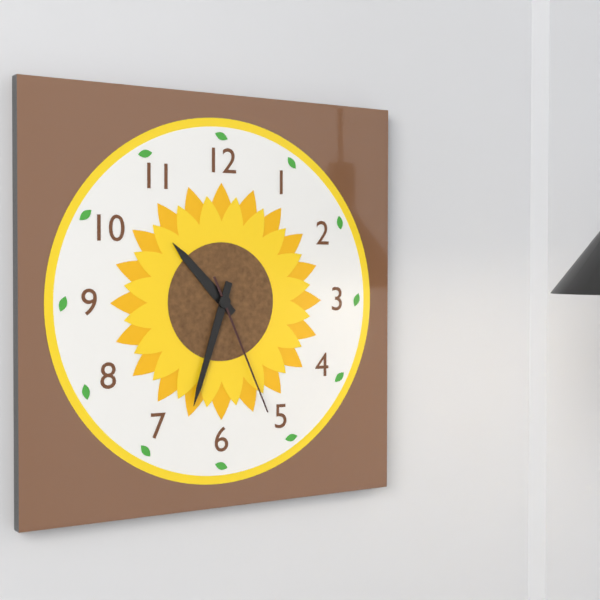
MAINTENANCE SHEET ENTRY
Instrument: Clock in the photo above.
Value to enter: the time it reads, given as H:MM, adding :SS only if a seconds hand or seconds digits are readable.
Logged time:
10:33:26
